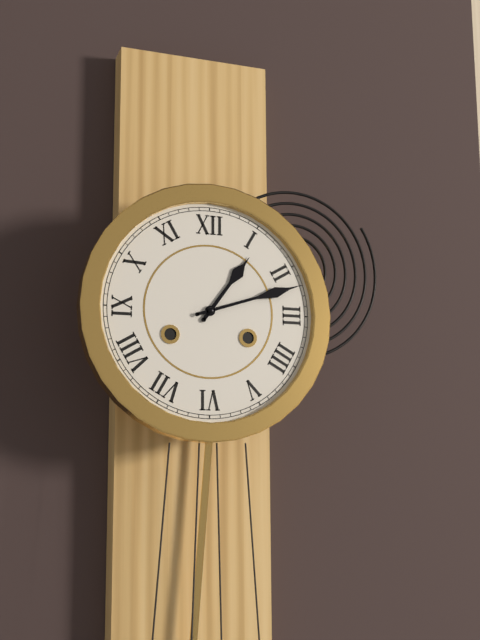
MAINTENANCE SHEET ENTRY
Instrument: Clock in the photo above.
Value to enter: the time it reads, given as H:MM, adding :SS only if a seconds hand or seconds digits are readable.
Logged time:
1:12
